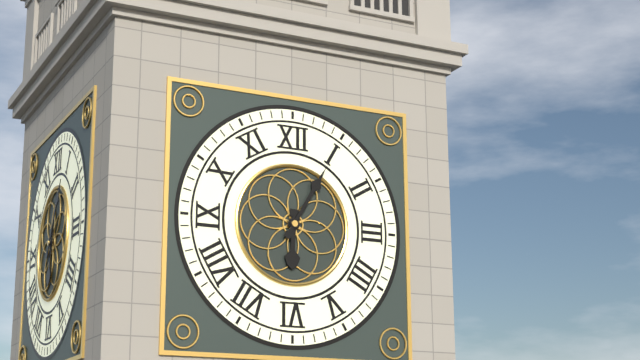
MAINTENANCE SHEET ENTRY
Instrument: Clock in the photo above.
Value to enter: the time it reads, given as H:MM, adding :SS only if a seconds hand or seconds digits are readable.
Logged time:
6:05
